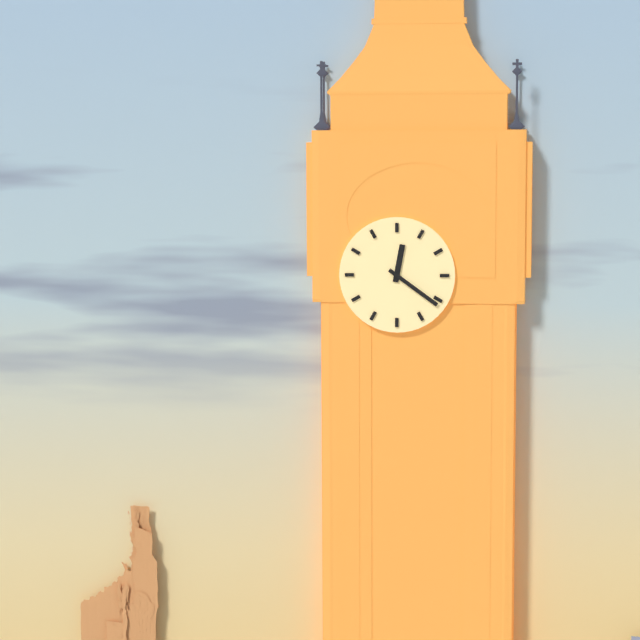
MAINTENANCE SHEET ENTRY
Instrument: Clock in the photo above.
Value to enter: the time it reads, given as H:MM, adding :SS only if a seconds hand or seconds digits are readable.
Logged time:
12:21
